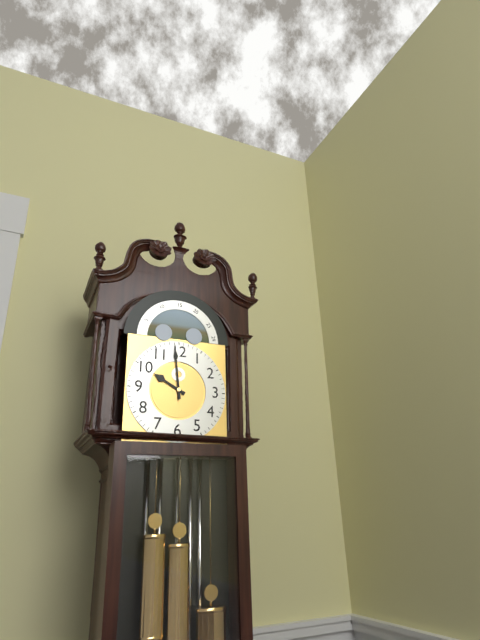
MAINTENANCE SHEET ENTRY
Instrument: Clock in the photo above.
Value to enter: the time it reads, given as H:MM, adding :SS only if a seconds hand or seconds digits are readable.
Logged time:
9:59
